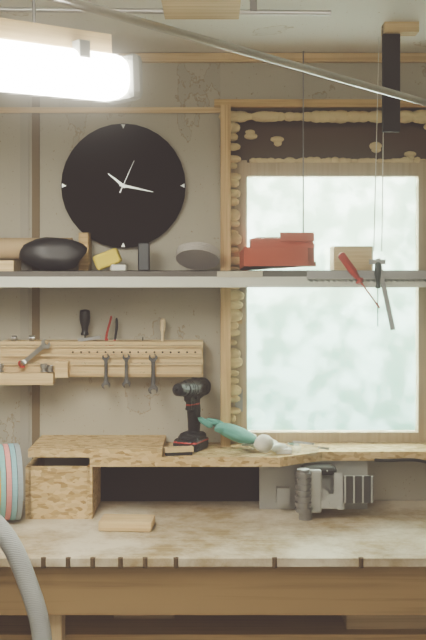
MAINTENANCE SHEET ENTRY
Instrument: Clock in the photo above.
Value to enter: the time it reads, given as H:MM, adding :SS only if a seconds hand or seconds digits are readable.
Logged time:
10:17
